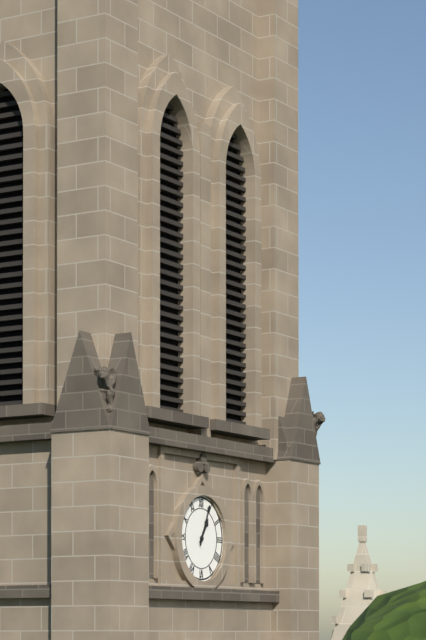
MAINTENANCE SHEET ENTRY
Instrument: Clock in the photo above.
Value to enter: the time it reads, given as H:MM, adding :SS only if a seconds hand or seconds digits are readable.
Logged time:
1:04
